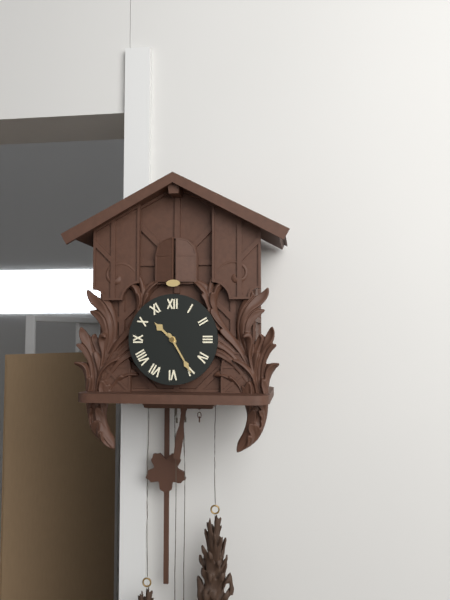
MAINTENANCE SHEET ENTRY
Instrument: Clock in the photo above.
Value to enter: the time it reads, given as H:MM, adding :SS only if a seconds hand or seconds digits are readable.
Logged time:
10:25
